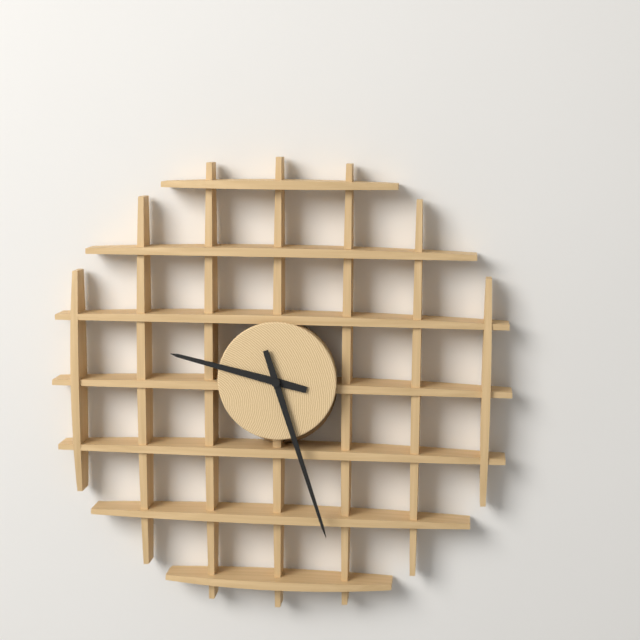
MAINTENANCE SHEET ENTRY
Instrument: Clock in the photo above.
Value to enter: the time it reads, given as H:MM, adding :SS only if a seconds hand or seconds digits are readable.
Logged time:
9:27
